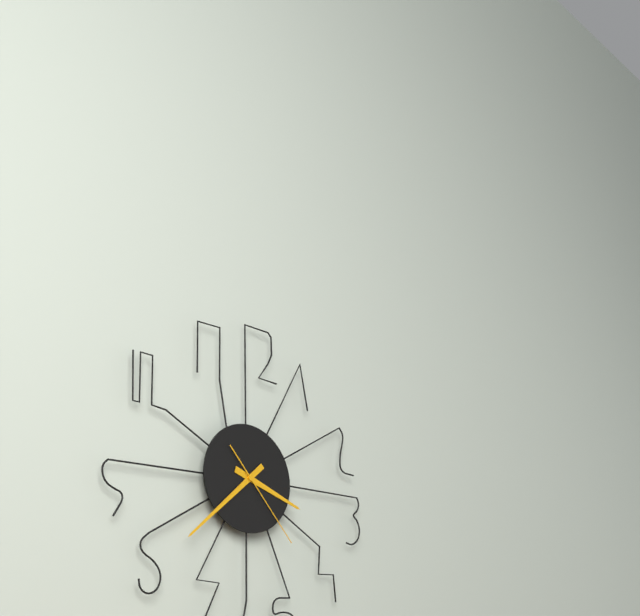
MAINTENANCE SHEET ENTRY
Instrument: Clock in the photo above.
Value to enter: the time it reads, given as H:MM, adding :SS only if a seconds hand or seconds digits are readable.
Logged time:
3:38:23
